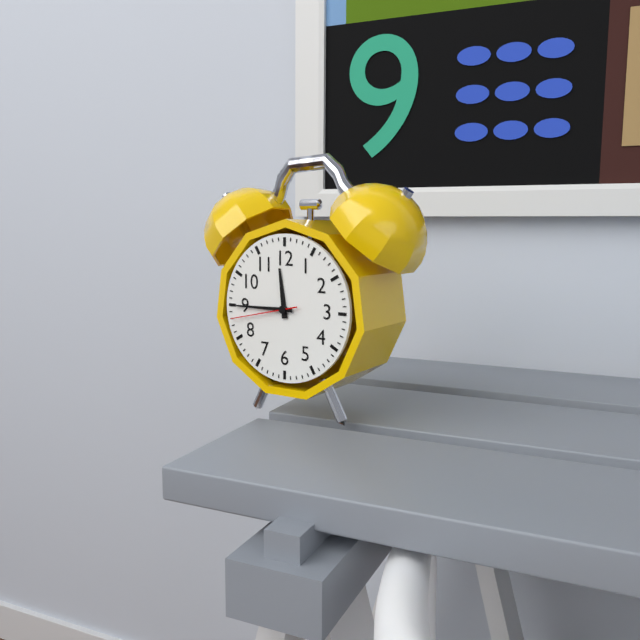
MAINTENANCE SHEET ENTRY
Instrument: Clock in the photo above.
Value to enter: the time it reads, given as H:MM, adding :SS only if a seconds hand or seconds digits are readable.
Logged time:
11:45:43
